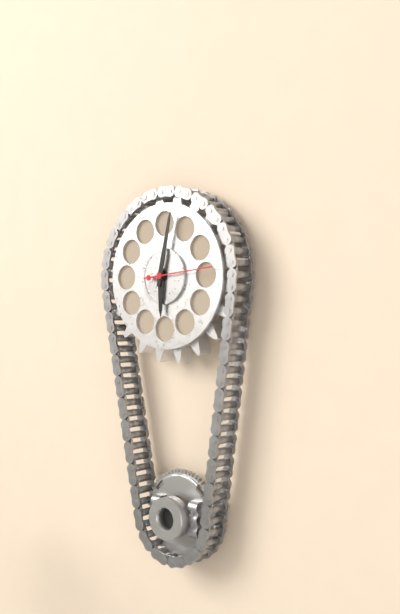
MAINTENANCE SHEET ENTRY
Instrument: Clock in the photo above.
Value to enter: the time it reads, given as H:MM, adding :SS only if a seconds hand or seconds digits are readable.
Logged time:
6:02
